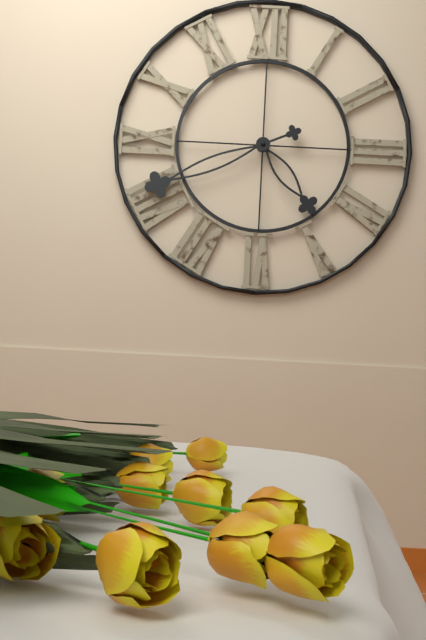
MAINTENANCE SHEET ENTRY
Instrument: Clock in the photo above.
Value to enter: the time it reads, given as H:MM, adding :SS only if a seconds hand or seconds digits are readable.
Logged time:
4:41
